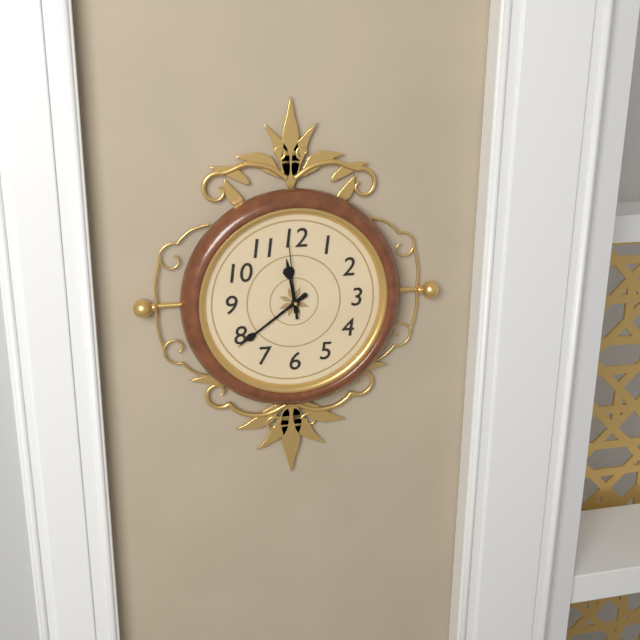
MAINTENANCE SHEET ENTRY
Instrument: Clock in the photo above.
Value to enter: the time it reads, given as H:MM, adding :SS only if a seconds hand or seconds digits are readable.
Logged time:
11:39:59
